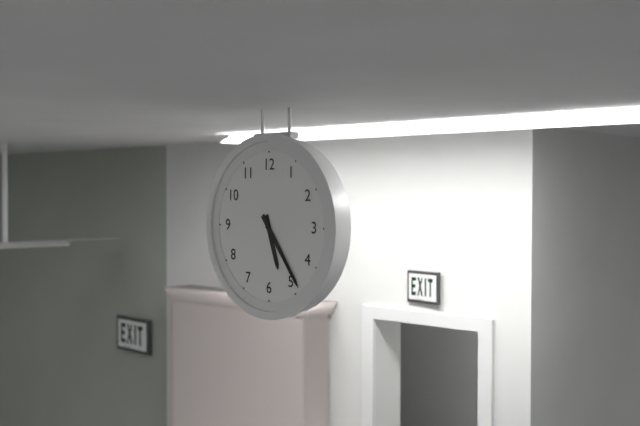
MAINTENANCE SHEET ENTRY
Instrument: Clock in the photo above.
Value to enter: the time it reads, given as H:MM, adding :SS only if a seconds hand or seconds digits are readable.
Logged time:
5:24
